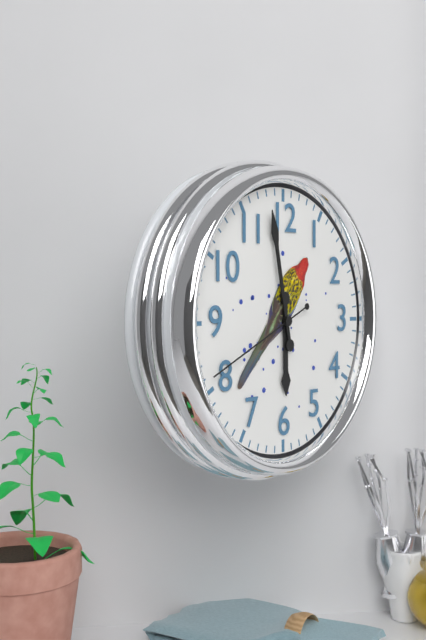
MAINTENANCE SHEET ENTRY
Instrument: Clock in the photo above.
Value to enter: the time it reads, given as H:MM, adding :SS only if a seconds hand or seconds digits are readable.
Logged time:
5:58:41
